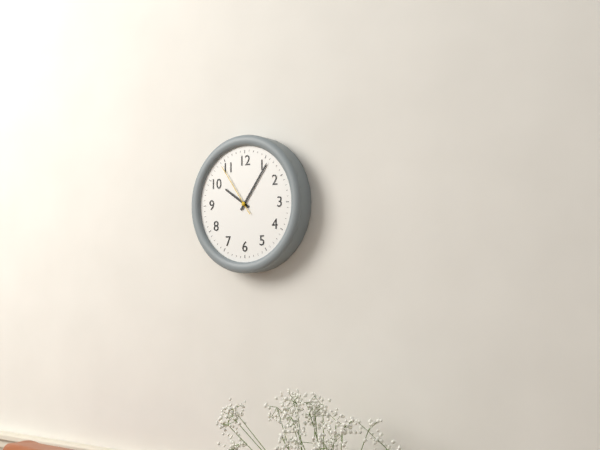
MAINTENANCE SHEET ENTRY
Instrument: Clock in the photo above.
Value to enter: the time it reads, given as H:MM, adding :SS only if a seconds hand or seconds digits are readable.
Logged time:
10:06:54
